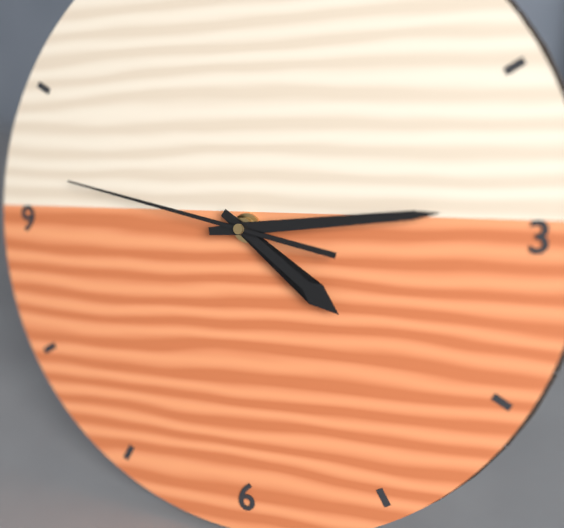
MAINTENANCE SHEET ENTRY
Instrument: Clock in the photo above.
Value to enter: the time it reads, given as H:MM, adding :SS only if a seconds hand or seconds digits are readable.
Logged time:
4:14:47
